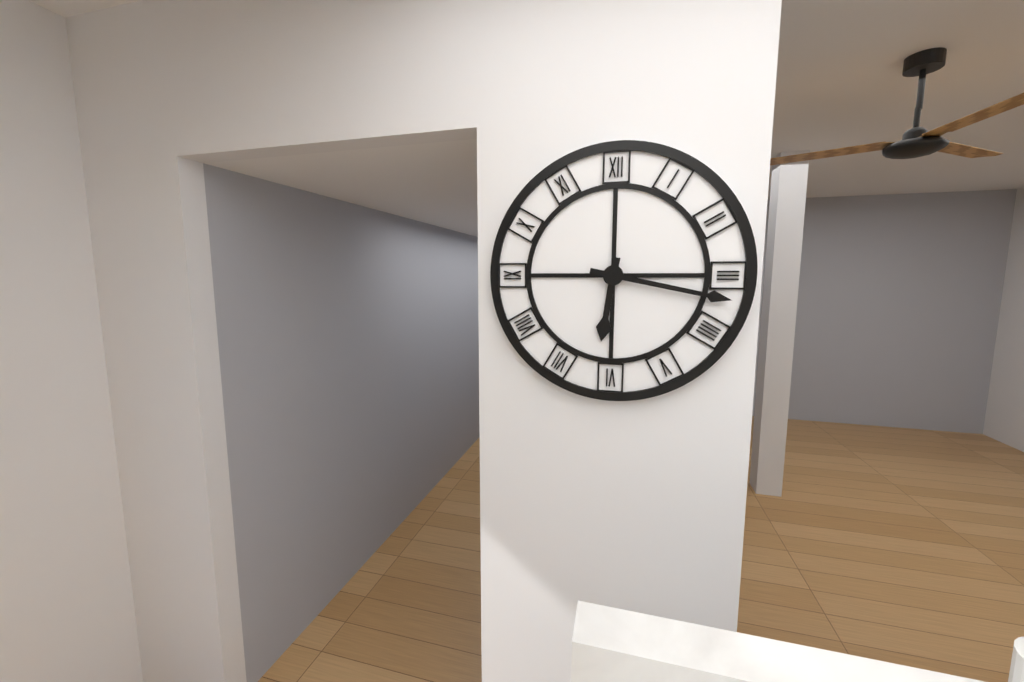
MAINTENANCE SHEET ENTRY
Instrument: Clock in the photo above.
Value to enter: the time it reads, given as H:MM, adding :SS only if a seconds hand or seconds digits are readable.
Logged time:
6:17
